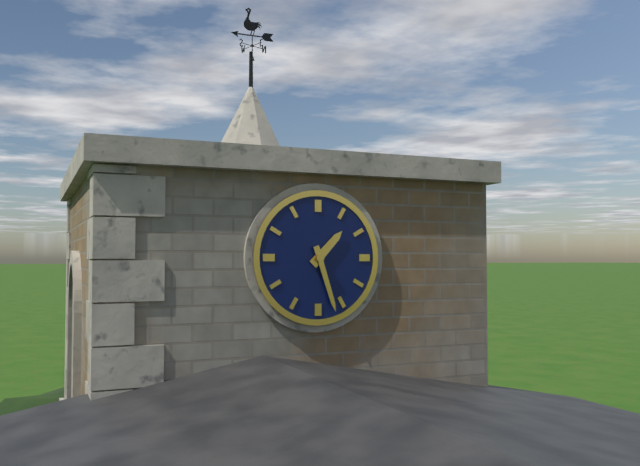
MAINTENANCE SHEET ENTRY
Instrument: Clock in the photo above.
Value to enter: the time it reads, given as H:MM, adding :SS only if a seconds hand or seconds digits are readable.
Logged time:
1:27
